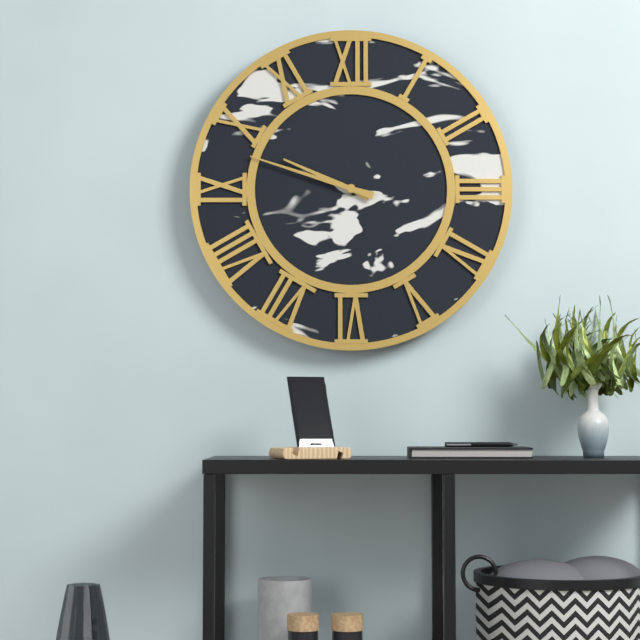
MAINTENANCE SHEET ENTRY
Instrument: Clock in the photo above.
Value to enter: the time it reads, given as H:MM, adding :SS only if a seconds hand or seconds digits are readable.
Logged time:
9:48
